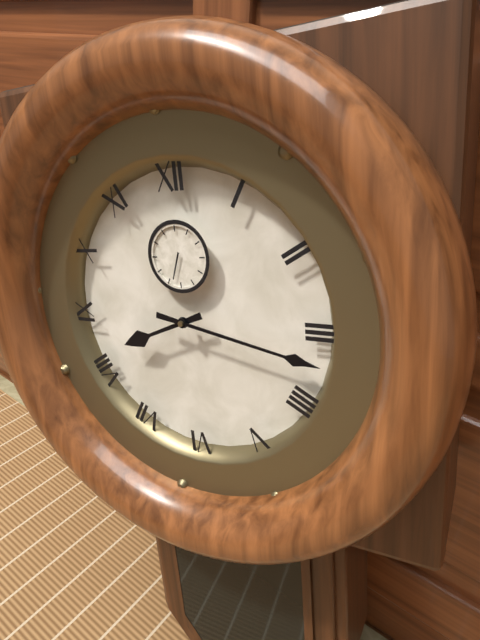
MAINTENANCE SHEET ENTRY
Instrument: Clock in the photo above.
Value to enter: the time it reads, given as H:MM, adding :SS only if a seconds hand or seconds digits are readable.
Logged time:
8:17
